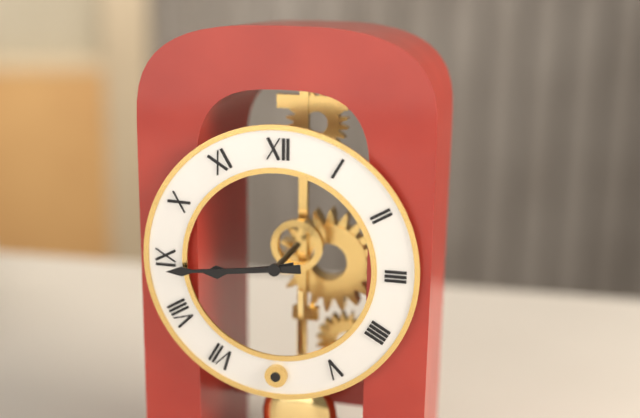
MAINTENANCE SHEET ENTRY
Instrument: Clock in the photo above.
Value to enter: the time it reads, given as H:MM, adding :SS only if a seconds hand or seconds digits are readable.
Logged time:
8:44
